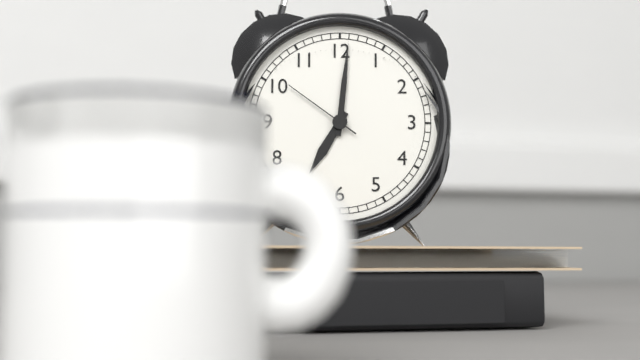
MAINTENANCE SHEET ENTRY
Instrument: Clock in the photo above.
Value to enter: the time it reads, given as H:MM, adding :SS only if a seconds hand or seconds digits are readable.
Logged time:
7:01:51
